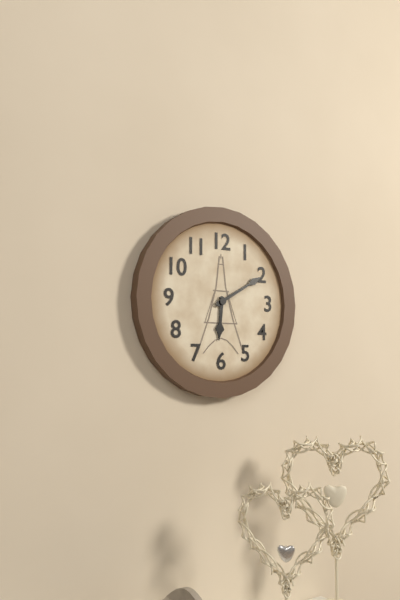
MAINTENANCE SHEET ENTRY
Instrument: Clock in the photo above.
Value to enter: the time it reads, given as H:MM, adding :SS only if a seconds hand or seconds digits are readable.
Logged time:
6:10
